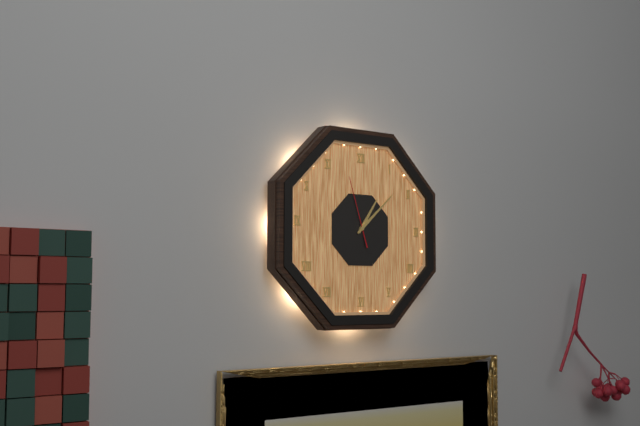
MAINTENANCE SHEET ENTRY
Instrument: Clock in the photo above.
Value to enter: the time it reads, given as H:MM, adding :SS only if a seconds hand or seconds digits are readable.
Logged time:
1:08:57
